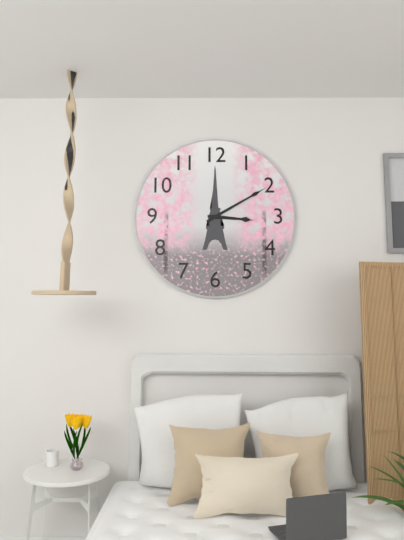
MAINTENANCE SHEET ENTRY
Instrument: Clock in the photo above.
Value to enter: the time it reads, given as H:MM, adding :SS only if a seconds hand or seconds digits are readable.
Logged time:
3:10
